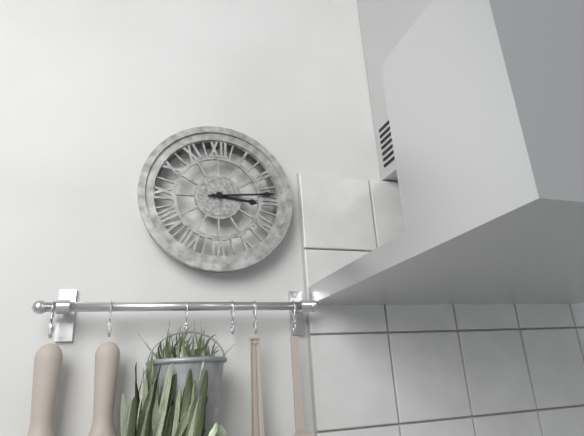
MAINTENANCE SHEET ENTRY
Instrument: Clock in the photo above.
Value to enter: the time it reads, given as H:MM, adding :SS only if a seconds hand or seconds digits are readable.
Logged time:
3:14
